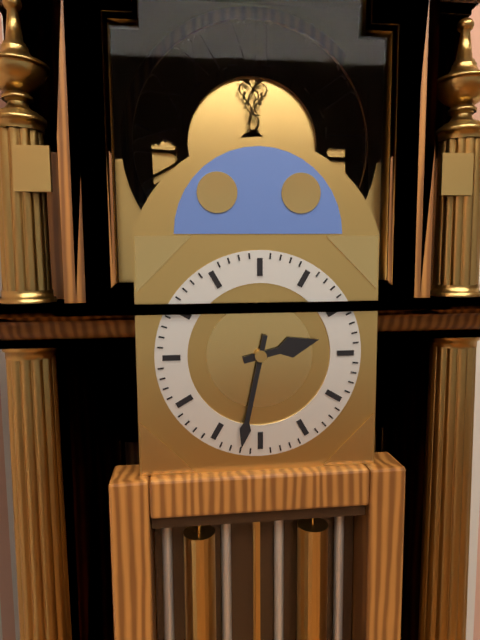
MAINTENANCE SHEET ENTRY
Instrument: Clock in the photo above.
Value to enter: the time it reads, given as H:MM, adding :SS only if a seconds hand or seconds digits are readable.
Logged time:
2:32
